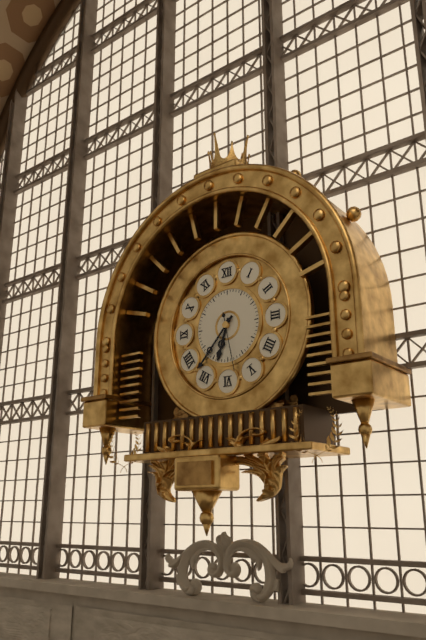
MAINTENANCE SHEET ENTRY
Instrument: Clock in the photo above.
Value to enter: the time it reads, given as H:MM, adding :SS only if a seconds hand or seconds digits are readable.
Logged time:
6:37:28
